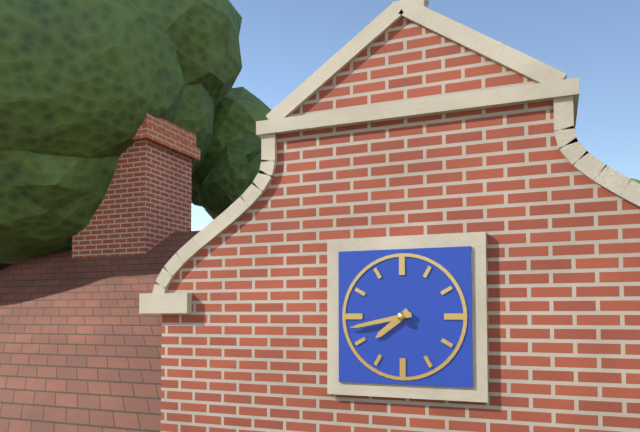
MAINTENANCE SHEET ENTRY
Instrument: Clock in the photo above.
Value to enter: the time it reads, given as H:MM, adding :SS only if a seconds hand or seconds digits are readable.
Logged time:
7:43
